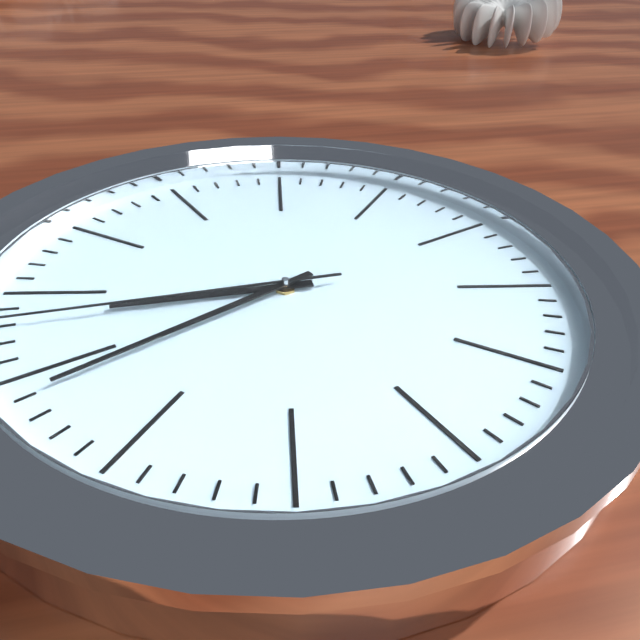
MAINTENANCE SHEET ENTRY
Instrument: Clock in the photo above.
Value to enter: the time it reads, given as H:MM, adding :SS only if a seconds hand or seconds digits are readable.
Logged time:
8:39
